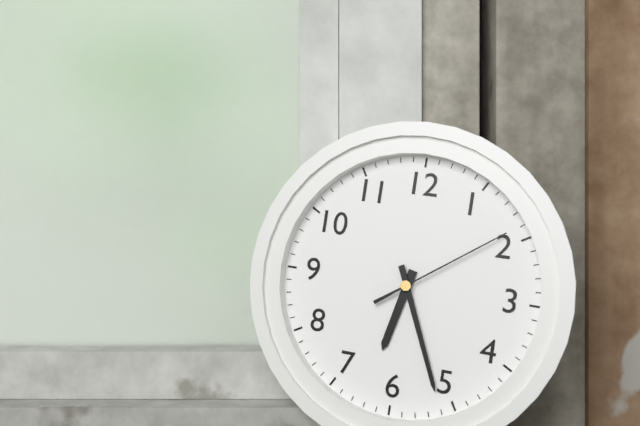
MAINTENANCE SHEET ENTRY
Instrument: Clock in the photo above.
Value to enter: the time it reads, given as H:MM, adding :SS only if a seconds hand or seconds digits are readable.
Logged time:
6:26:09
